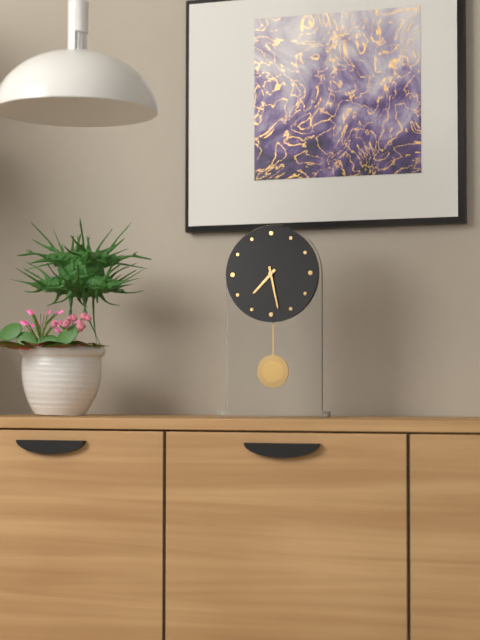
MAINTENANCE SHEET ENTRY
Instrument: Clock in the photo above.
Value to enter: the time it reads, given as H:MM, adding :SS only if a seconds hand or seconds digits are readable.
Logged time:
7:28
